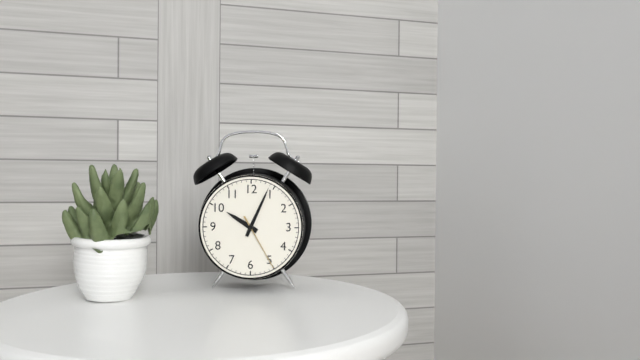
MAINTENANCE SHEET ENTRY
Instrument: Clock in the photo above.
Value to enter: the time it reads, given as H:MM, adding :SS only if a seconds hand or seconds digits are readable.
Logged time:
10:04:25
